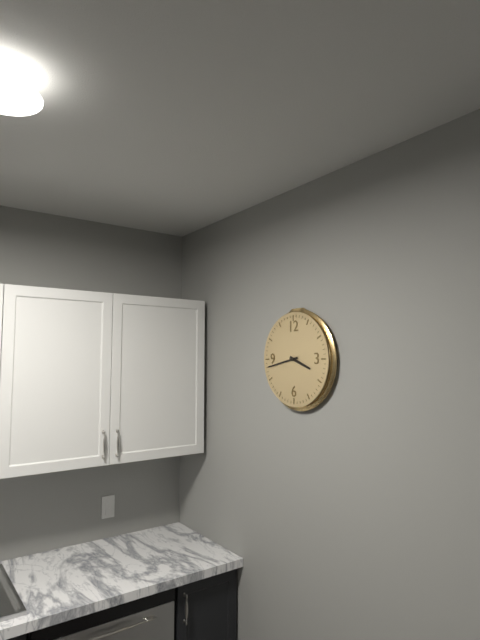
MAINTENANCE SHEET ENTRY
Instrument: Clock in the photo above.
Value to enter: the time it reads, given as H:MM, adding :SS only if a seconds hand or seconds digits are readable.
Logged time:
3:43
